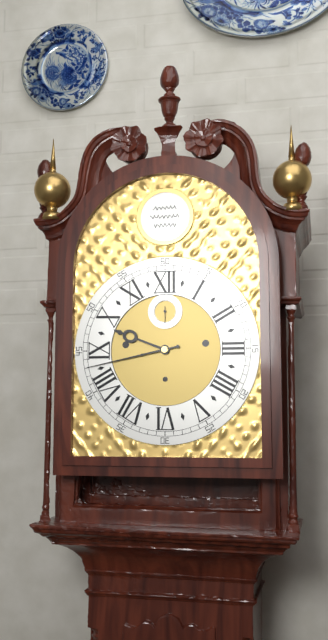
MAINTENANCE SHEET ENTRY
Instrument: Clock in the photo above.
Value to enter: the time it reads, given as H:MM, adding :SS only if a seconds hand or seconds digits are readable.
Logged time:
9:43
